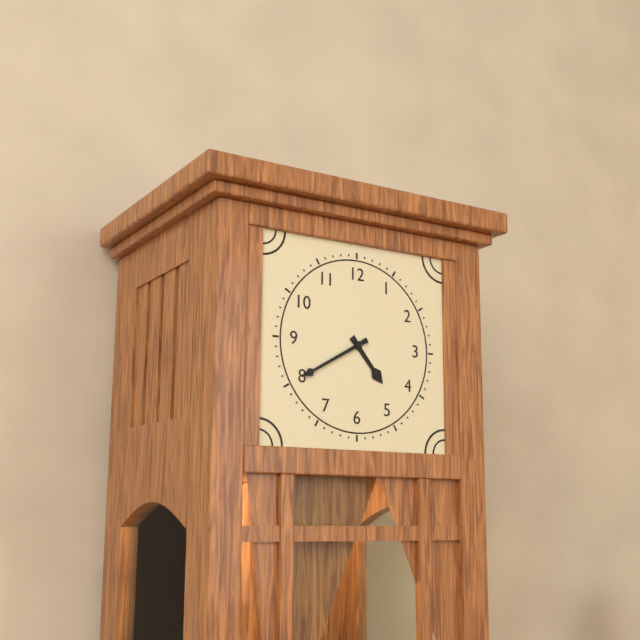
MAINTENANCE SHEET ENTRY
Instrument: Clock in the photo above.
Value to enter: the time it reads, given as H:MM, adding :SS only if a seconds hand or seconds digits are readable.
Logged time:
4:40
